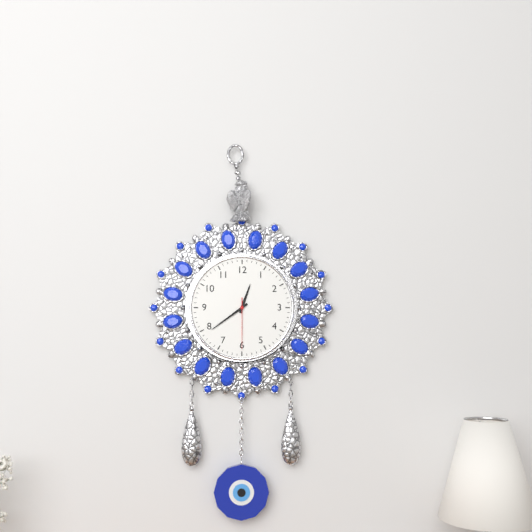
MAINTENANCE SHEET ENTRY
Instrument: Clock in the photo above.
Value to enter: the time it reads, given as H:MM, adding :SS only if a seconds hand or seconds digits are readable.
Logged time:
12:39:30
